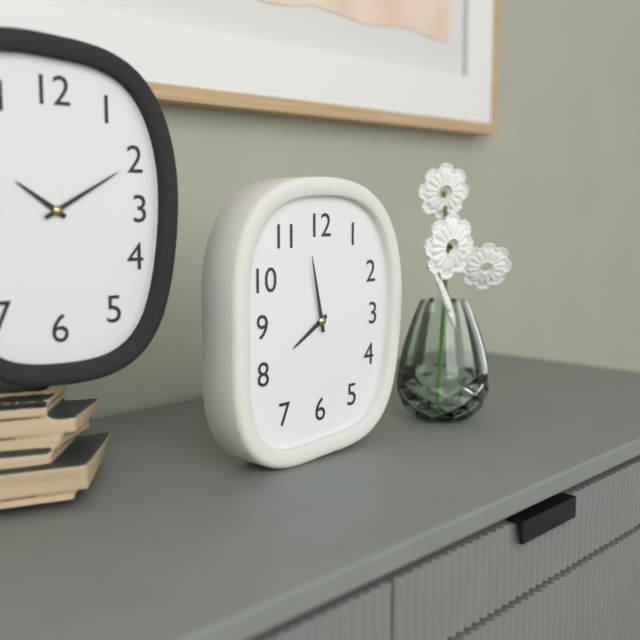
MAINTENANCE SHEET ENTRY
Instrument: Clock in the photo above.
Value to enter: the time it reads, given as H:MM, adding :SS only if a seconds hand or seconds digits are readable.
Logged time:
7:58
